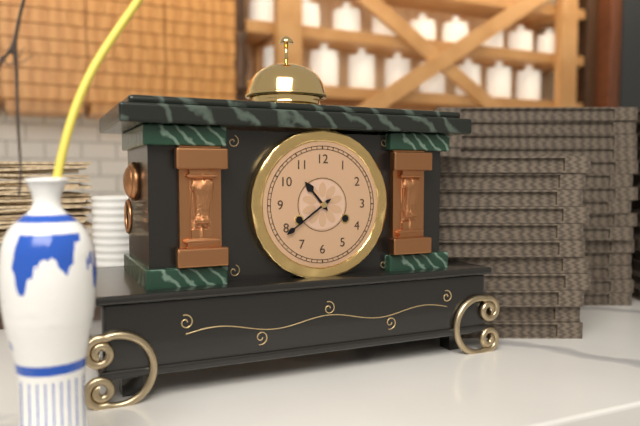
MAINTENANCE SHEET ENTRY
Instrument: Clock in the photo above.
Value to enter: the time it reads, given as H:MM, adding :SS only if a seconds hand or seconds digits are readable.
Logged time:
10:39
